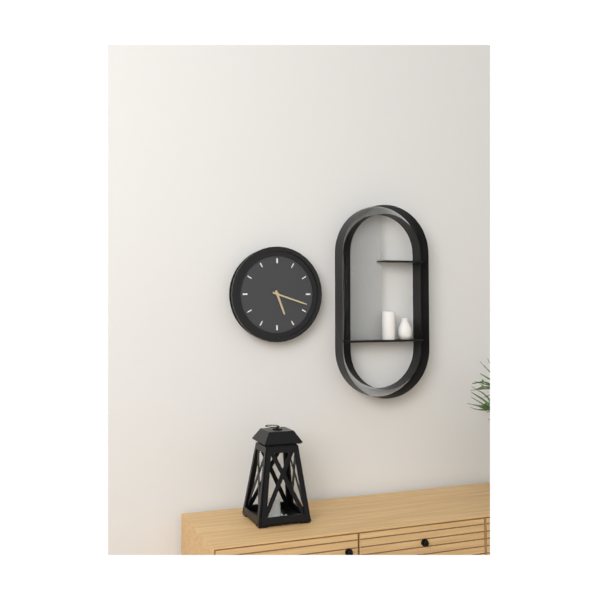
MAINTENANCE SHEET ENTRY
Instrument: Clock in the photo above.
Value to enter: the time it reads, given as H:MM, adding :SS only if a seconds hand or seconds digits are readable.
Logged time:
5:18
